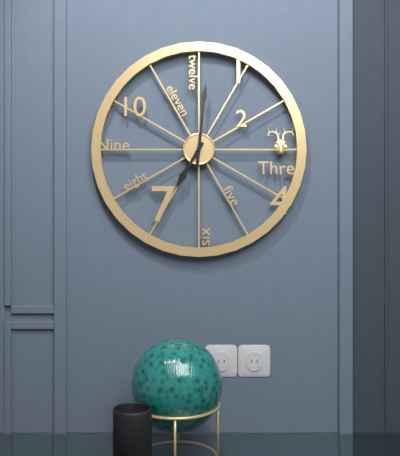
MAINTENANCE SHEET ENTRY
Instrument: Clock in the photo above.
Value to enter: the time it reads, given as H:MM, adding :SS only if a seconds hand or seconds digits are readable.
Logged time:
7:01
